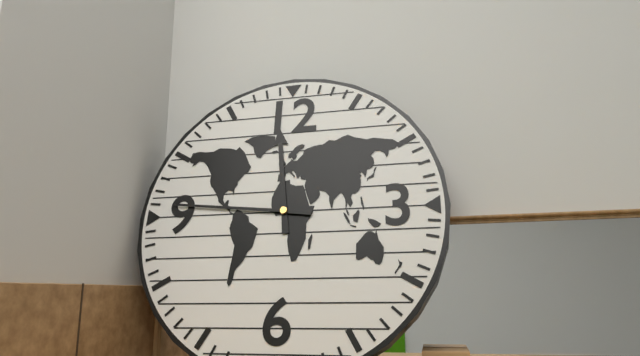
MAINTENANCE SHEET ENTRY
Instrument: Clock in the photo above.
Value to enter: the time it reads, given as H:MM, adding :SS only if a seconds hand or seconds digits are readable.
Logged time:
11:46
